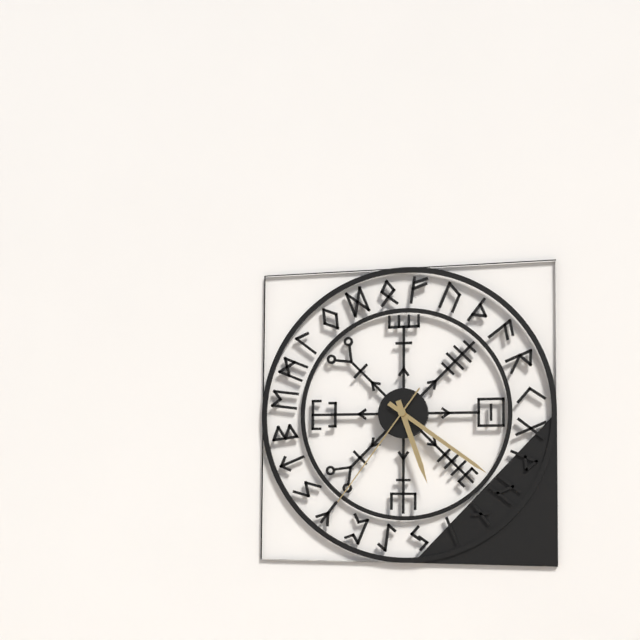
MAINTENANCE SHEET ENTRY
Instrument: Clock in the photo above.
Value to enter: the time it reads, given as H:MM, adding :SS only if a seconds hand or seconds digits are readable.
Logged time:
5:21:36
